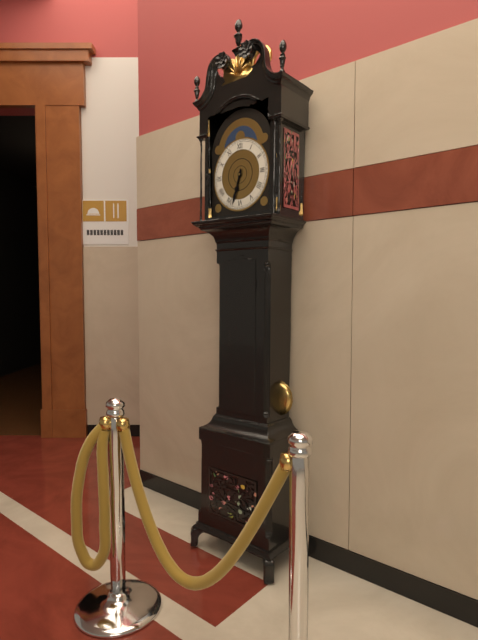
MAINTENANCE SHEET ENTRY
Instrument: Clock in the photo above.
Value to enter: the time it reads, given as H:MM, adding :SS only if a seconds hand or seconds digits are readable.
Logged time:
6:33
